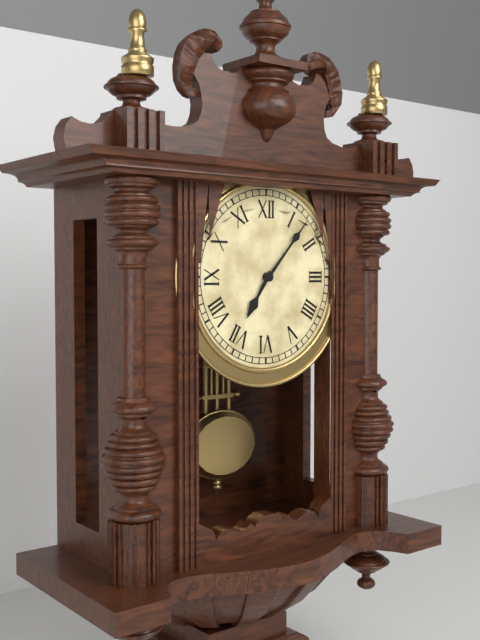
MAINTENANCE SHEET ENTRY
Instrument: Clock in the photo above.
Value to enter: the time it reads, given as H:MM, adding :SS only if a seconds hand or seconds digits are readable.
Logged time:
7:07
